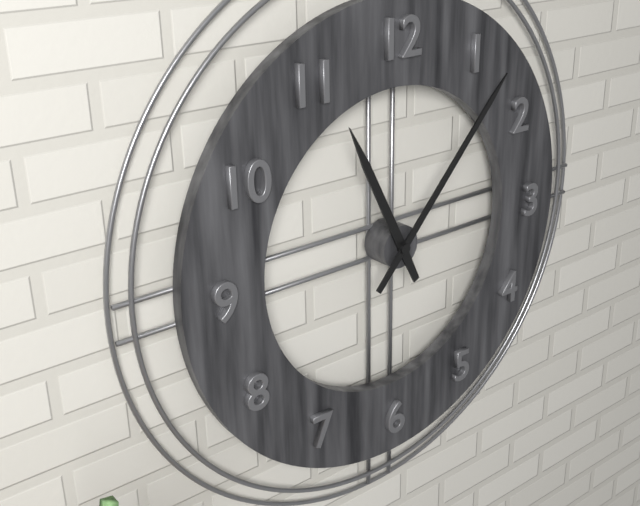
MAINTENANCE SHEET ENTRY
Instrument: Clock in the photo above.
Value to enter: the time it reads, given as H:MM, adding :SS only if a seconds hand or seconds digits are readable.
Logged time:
11:07
